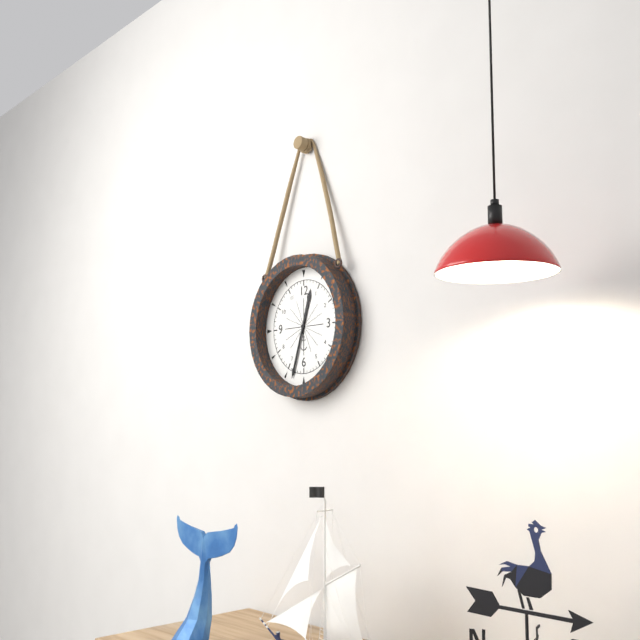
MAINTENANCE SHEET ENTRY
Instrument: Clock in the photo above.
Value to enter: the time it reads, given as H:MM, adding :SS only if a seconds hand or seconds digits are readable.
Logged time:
12:33
